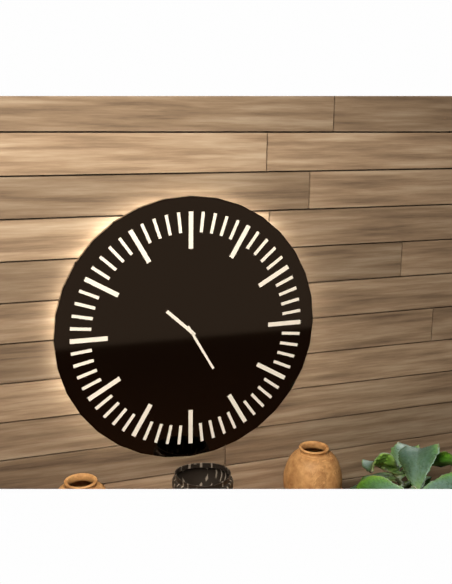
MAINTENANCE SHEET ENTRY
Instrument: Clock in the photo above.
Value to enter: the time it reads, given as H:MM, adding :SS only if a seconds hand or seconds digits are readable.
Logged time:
10:25
